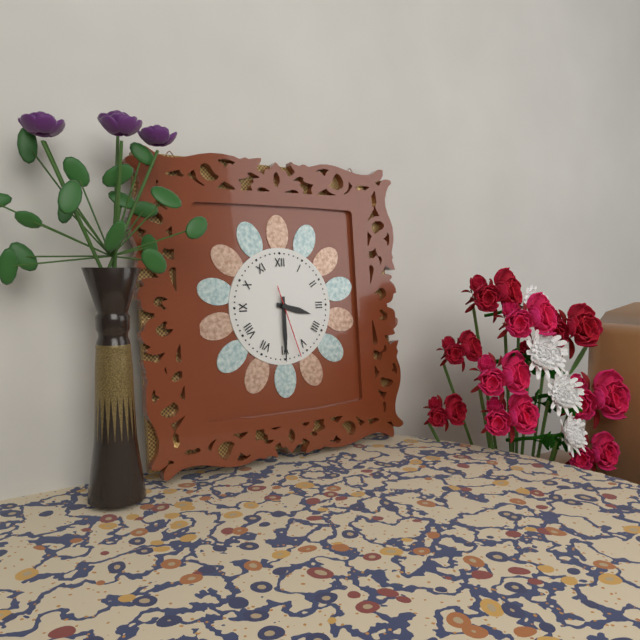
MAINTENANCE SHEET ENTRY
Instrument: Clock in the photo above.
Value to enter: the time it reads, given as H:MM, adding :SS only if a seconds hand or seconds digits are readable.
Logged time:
3:30:27
